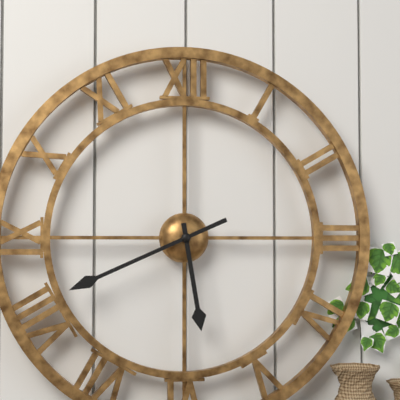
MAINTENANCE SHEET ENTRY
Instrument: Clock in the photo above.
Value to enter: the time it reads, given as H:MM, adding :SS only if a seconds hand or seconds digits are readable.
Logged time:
5:41
